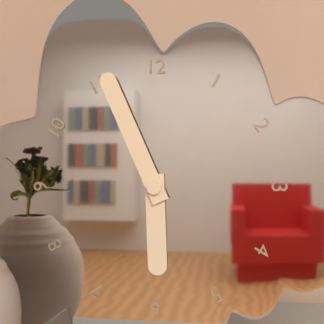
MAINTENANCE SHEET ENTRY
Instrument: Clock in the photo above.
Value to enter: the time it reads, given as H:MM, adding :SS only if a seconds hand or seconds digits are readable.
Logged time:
5:56
